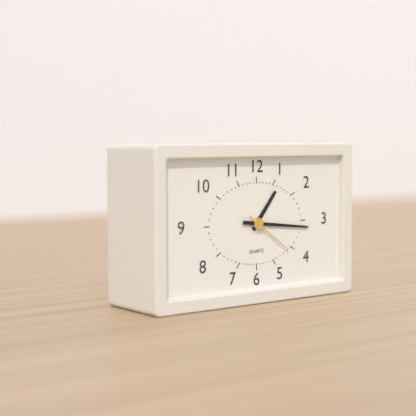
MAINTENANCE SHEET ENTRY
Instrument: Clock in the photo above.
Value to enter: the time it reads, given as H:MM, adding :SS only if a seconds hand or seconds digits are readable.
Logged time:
1:16
